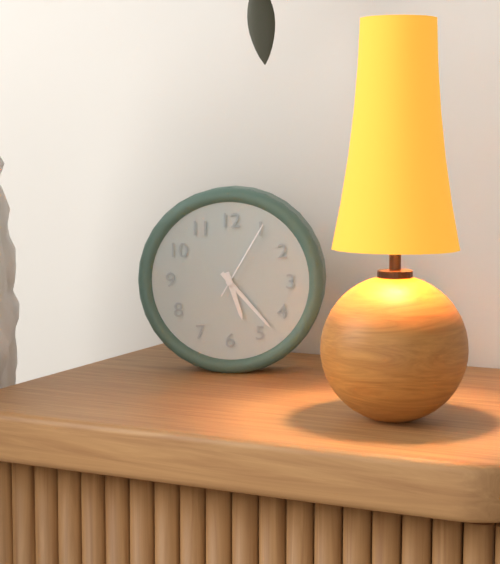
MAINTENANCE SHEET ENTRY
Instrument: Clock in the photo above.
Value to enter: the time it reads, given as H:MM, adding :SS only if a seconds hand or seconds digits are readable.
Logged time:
5:23:05
